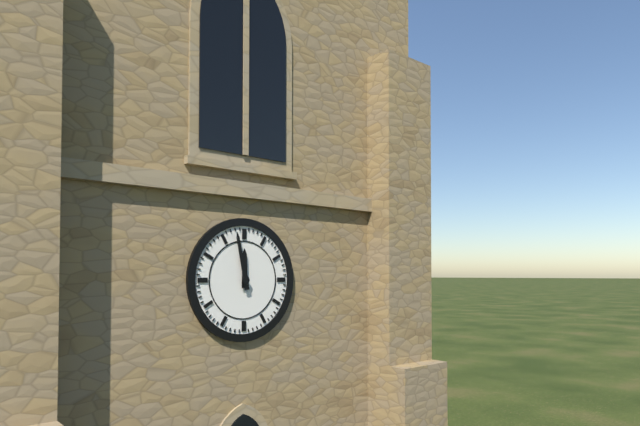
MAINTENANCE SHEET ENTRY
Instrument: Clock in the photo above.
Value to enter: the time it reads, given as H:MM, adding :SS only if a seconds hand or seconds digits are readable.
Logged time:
11:58
